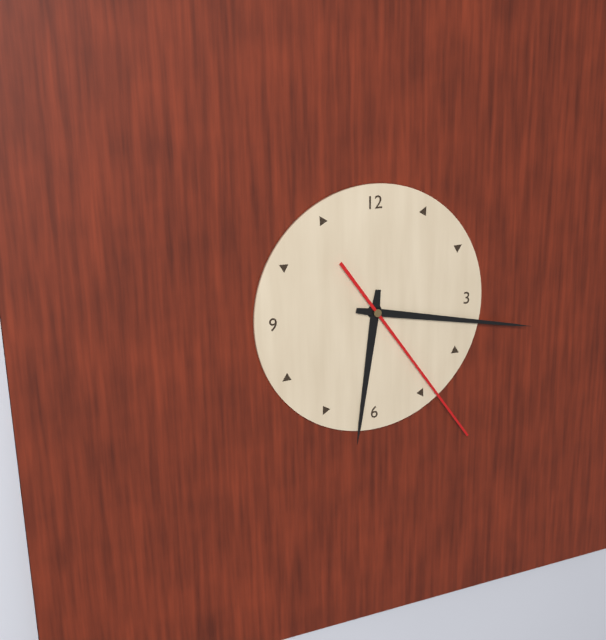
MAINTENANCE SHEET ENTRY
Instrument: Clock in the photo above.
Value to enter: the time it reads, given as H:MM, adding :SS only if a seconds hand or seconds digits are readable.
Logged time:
6:17:24
